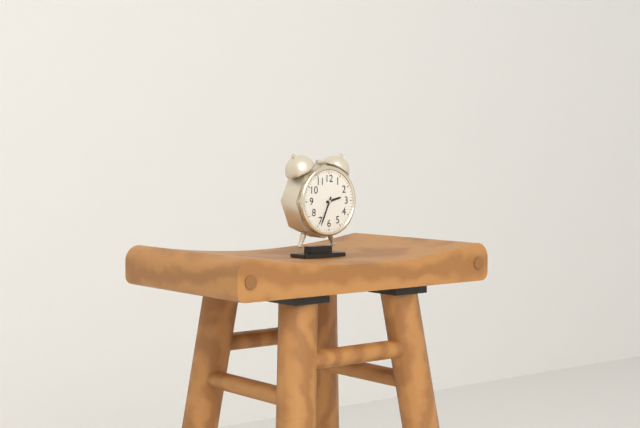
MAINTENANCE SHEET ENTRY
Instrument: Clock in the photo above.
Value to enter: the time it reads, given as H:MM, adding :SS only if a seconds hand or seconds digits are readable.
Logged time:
2:34
